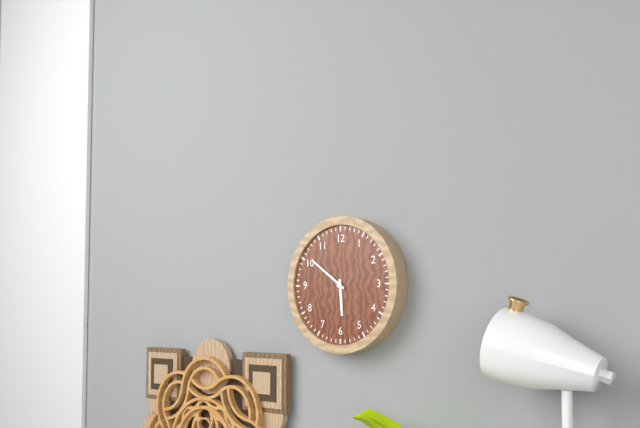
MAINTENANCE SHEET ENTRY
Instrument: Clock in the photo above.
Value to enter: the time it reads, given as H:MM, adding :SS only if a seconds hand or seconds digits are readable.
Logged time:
5:51
